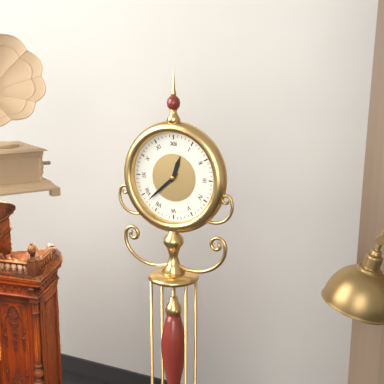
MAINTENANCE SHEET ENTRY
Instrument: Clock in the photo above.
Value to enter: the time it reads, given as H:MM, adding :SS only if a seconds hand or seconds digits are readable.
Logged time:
12:38
